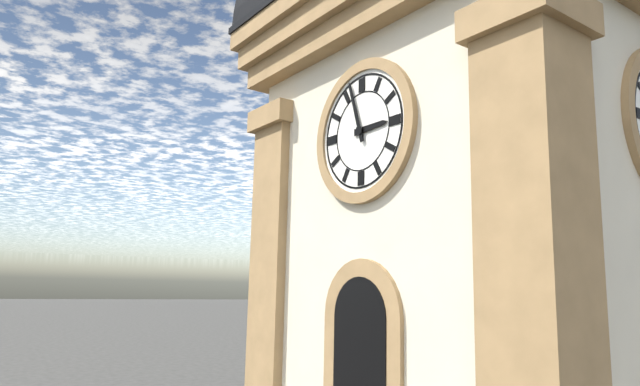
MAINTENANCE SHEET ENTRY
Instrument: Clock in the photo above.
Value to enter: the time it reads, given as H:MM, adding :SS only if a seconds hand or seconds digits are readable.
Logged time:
2:57
